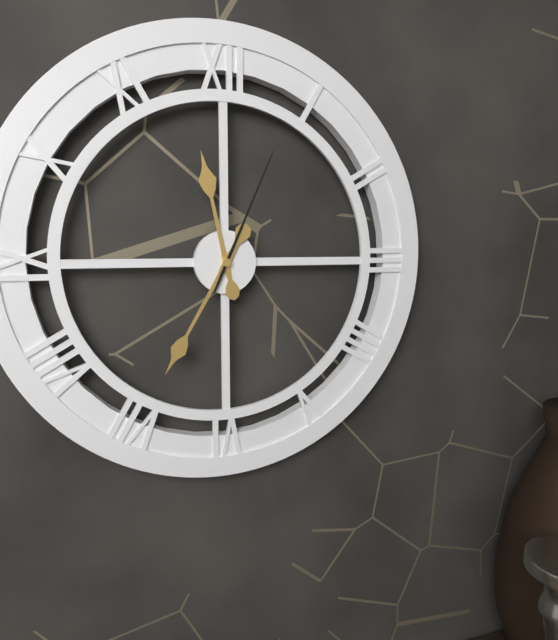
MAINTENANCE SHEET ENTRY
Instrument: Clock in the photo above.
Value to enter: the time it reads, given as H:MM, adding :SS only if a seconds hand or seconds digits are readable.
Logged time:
11:35:04
